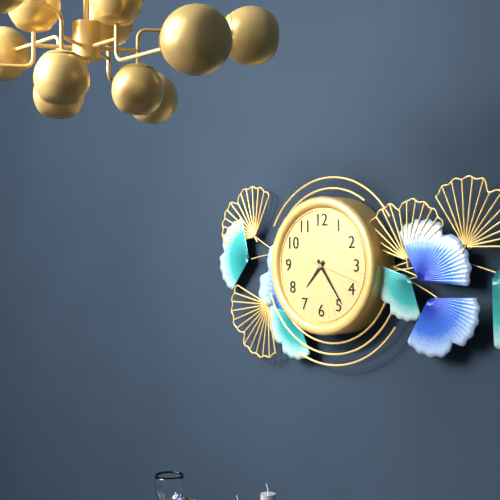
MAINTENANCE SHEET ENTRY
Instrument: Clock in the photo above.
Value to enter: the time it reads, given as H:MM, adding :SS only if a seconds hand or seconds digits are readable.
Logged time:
7:24:18
